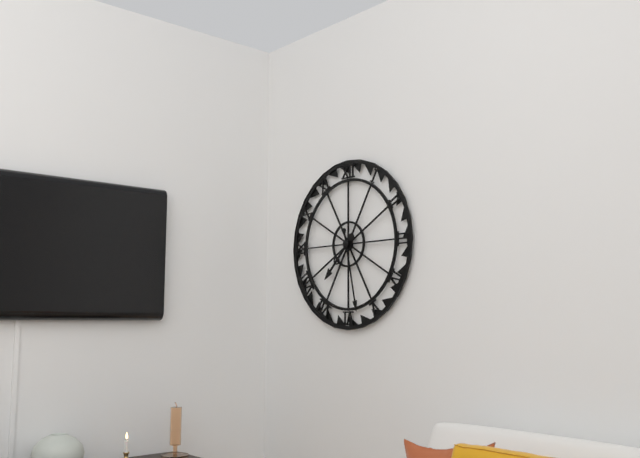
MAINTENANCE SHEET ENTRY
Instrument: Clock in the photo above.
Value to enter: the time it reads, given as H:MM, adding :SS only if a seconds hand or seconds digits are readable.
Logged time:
7:28
